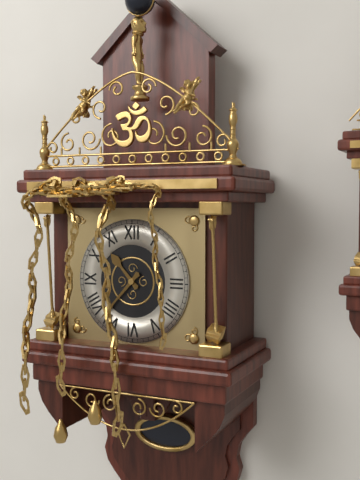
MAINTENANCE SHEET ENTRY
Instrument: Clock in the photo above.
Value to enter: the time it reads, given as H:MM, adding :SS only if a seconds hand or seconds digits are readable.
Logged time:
10:37
